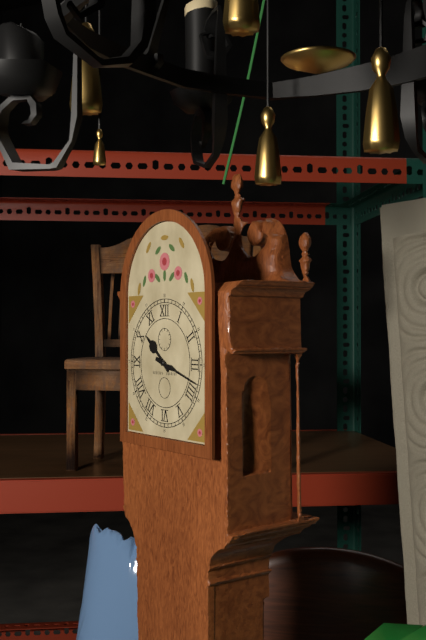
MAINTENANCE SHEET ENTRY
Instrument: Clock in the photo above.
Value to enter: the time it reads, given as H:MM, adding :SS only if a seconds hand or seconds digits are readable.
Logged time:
10:18
